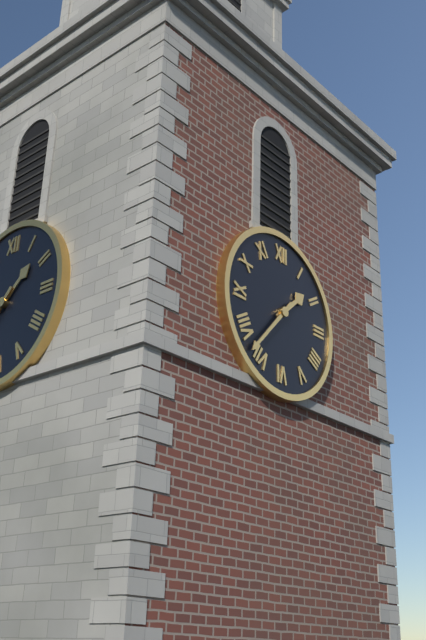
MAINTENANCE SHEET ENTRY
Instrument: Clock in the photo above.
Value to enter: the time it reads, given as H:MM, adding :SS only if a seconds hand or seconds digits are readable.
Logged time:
1:37
